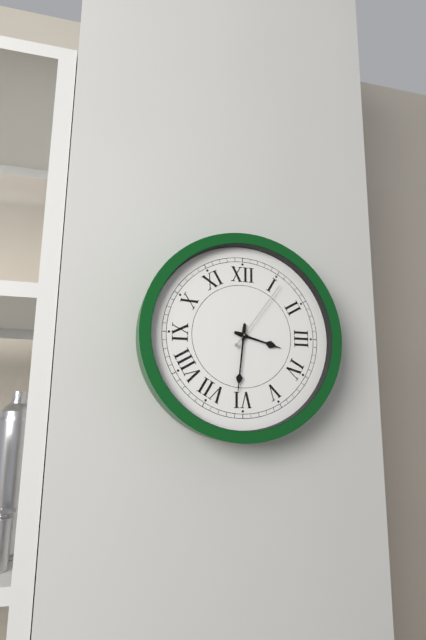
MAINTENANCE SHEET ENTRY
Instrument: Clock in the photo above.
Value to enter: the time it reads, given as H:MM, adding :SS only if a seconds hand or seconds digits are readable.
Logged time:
3:31:06
